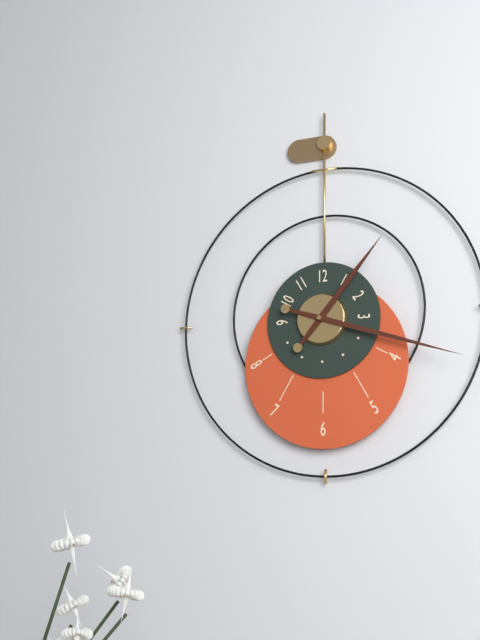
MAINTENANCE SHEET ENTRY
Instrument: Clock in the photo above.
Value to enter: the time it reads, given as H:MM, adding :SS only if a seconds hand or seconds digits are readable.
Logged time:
1:18
